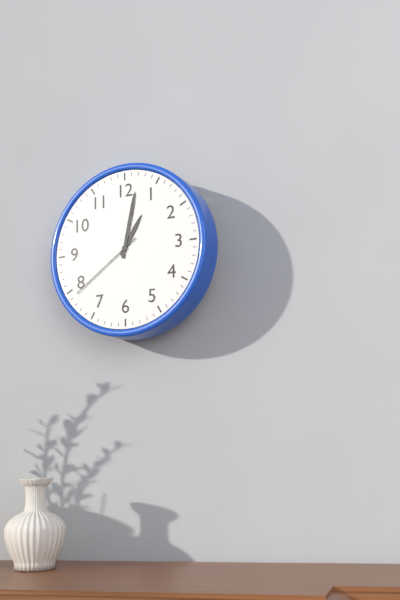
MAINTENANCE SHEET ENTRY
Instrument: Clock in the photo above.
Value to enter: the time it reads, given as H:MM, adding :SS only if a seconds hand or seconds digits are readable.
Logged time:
1:02:39
